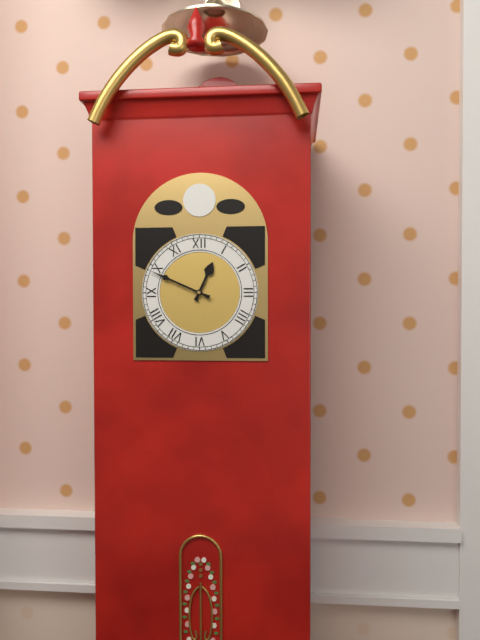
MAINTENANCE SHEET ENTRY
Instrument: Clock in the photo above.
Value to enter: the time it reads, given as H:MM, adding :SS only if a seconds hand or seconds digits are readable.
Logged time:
12:49
